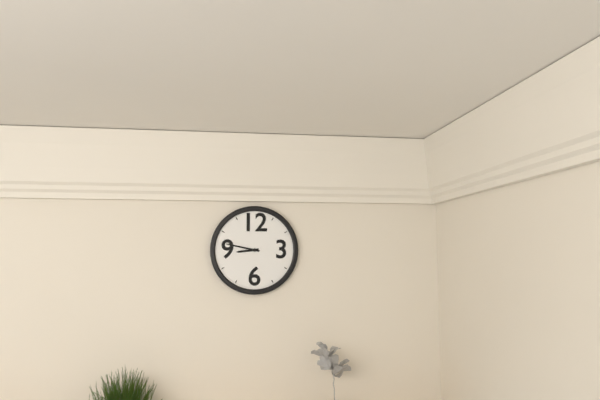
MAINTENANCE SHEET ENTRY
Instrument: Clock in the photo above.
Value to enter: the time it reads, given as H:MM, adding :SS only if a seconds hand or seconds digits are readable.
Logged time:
8:47
